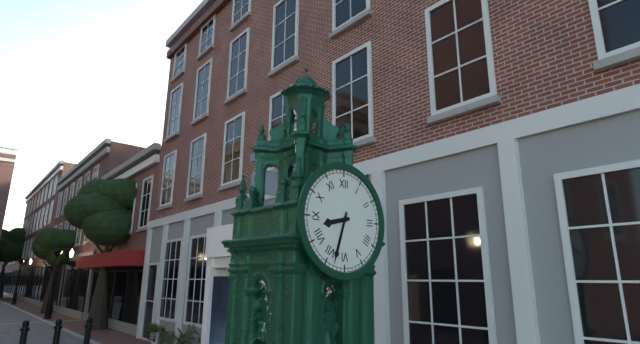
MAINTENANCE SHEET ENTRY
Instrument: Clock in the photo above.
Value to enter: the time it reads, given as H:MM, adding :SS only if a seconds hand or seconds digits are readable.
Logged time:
8:33
